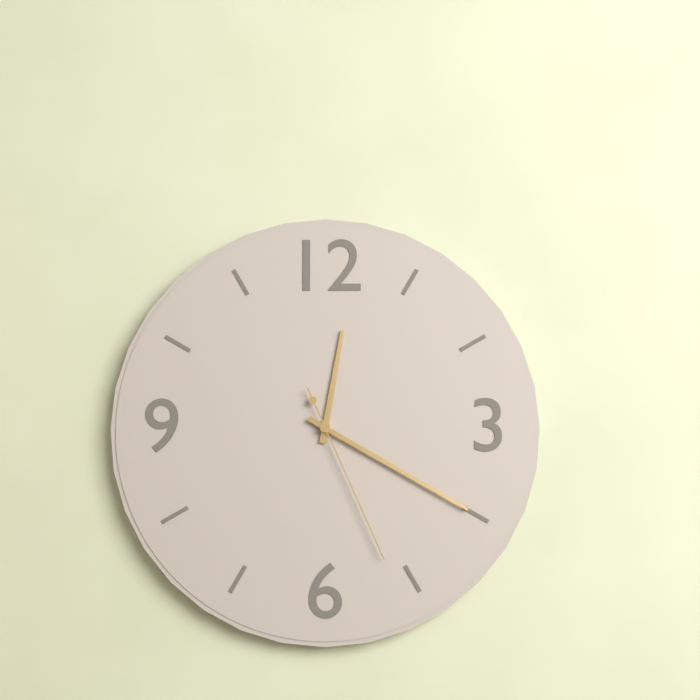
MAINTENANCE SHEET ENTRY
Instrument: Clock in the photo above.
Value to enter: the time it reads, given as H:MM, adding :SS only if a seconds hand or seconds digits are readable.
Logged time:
12:20:26
